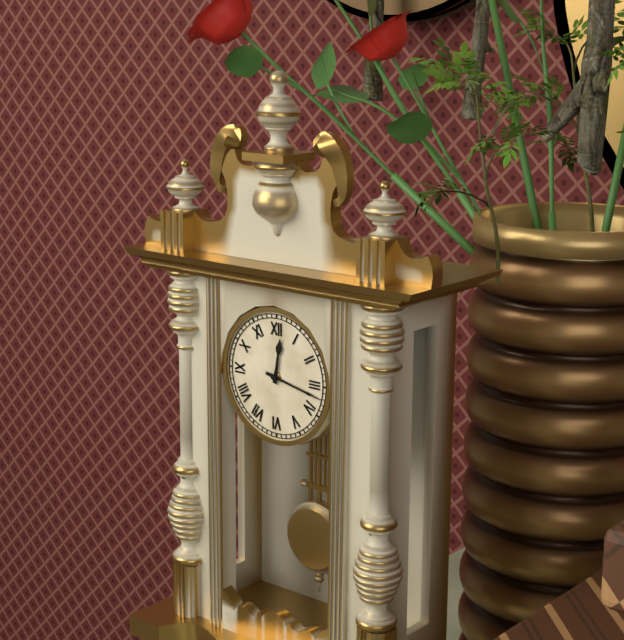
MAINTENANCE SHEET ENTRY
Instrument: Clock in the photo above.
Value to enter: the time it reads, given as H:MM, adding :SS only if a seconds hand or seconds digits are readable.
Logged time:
12:17
